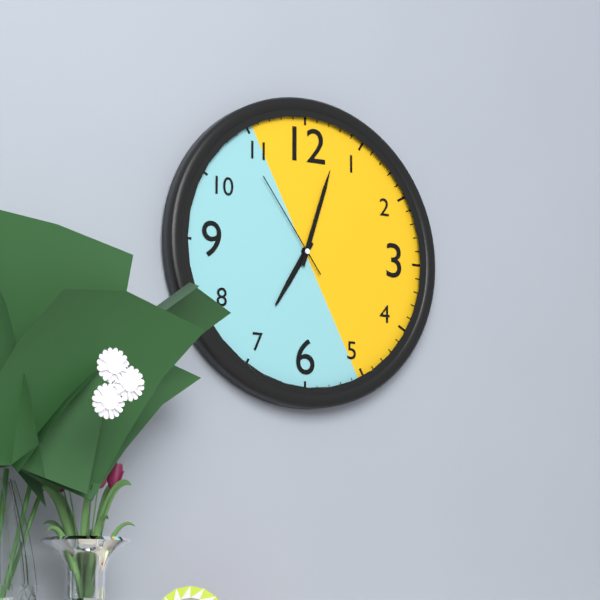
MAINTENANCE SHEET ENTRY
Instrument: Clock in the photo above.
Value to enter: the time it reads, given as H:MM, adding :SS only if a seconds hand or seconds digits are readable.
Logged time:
7:03:54
